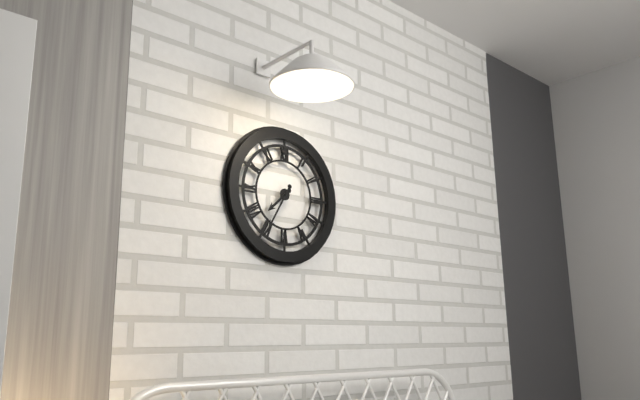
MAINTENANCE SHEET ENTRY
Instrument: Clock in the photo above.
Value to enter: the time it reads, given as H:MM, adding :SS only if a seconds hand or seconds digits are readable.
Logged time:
7:35
